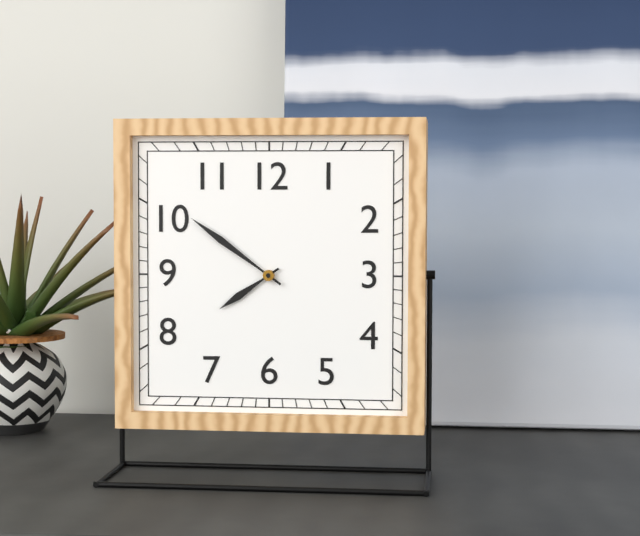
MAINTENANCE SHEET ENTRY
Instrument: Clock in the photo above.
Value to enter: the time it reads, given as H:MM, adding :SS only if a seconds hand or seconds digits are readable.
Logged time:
7:51
